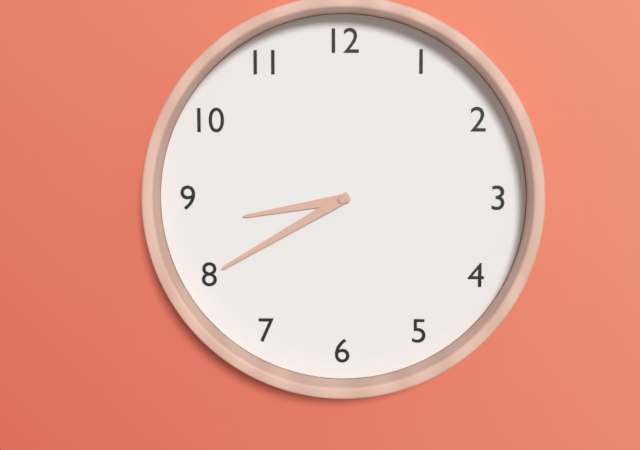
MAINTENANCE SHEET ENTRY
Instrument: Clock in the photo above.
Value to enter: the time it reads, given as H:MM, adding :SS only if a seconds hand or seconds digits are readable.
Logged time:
8:40
